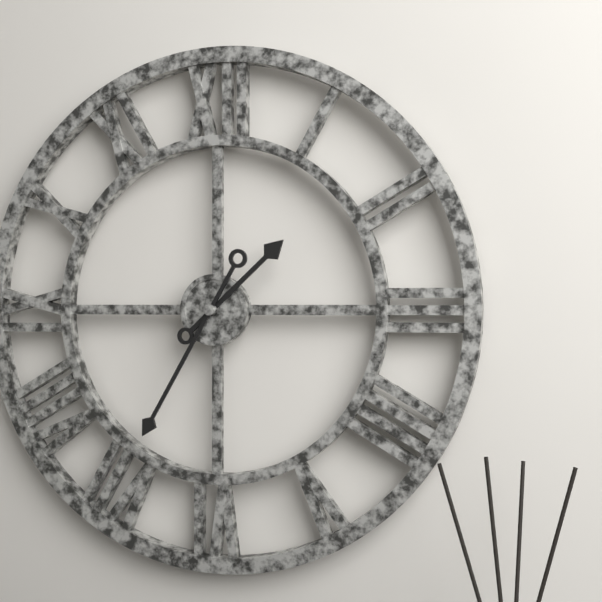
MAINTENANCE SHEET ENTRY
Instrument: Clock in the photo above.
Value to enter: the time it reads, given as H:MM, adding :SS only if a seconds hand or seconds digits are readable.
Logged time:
1:35
